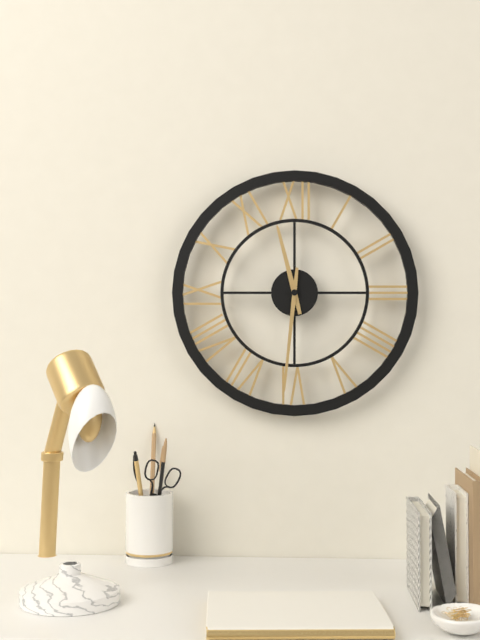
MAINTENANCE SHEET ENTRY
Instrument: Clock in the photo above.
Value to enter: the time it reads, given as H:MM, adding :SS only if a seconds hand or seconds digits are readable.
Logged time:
11:31
